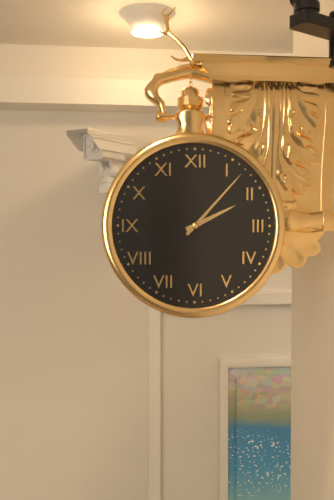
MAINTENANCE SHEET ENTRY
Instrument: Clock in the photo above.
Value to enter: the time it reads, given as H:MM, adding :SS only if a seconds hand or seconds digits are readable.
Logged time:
2:07
